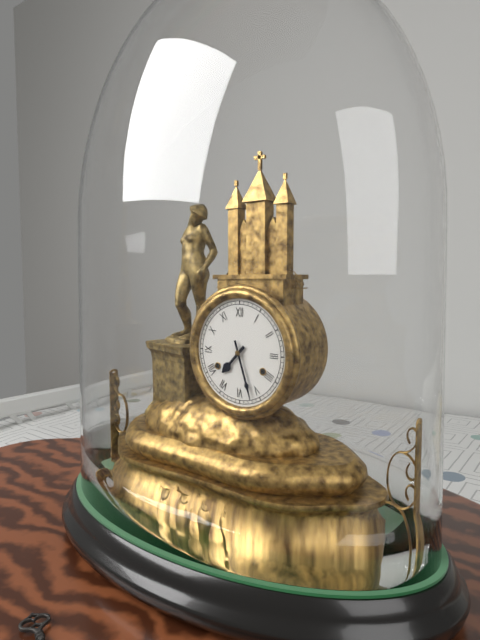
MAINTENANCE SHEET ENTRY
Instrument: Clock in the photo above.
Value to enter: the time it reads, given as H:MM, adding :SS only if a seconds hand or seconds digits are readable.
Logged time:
7:27
